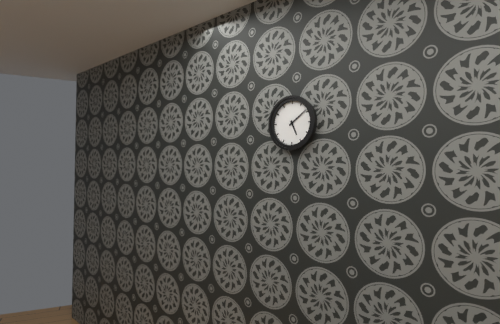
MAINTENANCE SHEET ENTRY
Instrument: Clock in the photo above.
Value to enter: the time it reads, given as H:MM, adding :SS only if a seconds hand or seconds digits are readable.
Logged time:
5:09
